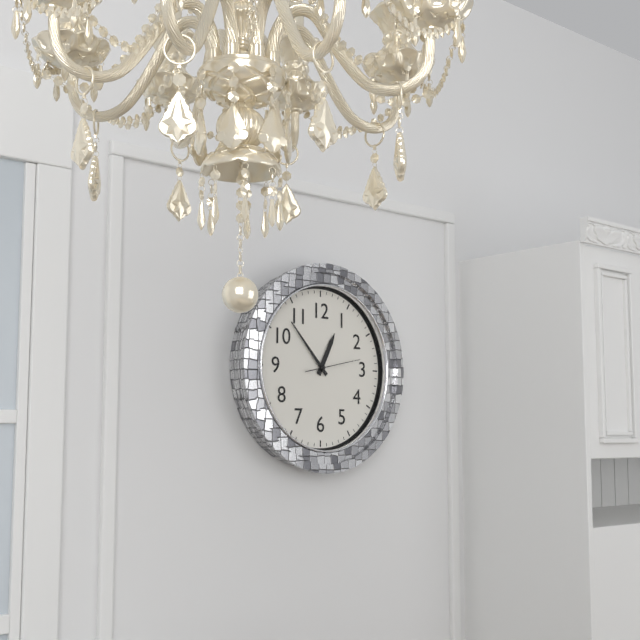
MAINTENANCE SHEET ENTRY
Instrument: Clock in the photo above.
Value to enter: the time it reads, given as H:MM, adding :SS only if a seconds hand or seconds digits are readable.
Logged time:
12:53
